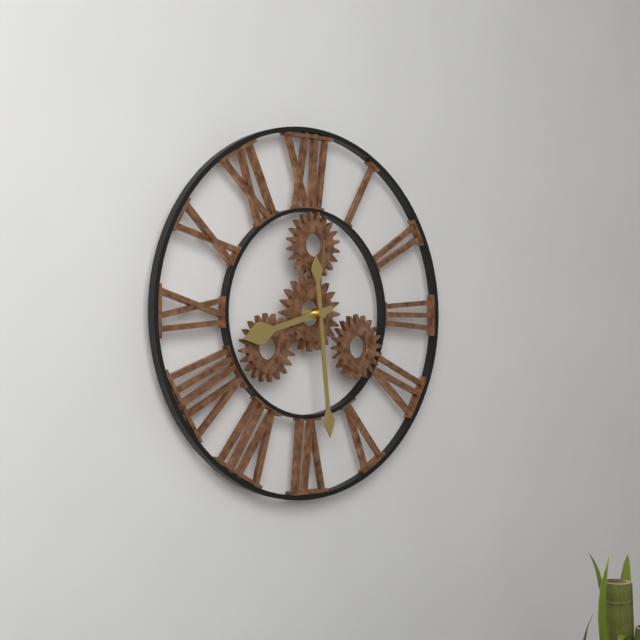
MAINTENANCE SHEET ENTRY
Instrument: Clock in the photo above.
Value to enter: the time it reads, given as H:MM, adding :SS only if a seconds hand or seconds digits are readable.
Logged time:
8:29
